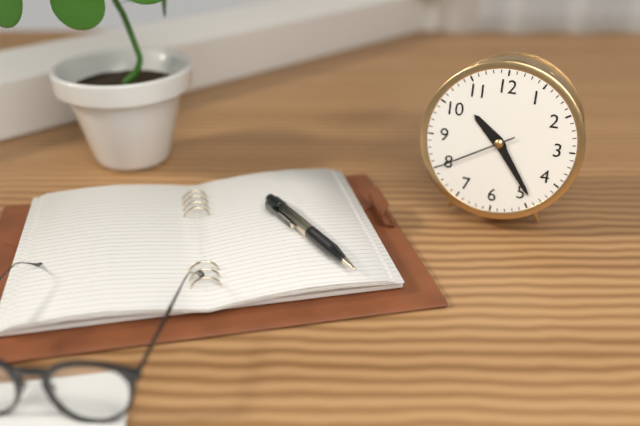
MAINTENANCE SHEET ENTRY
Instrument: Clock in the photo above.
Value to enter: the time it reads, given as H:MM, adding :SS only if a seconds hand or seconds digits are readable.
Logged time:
10:24:40
